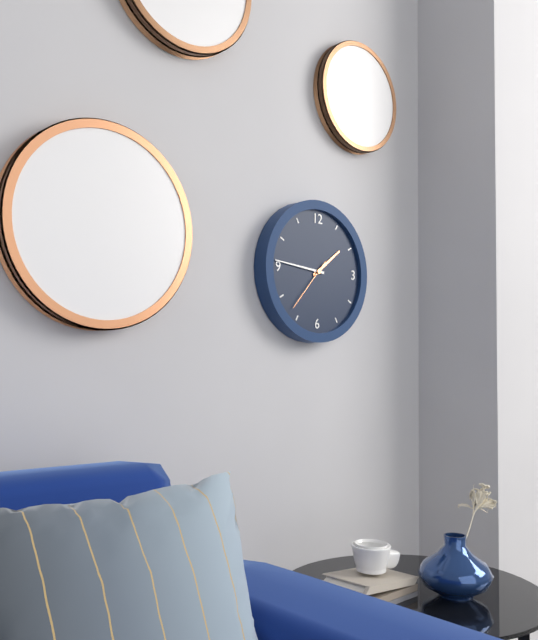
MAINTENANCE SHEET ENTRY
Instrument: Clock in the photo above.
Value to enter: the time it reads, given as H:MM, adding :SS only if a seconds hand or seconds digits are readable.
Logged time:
1:46:37
